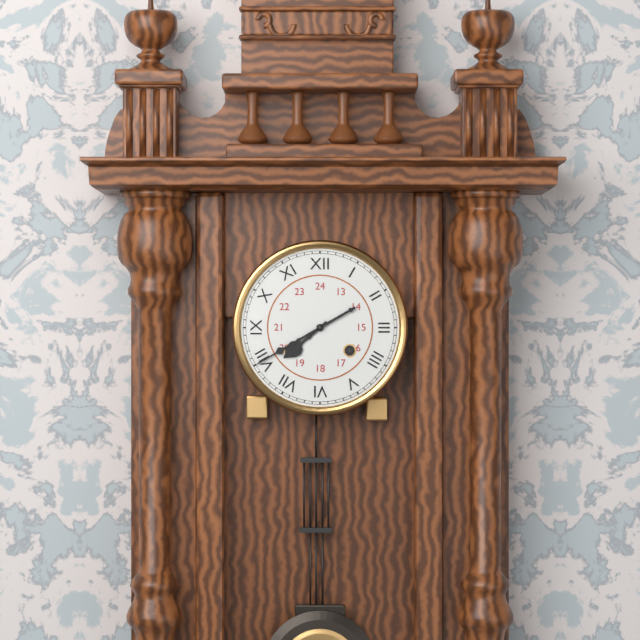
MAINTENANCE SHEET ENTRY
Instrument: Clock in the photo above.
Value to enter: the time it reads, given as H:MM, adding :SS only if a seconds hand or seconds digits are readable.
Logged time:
7:40
